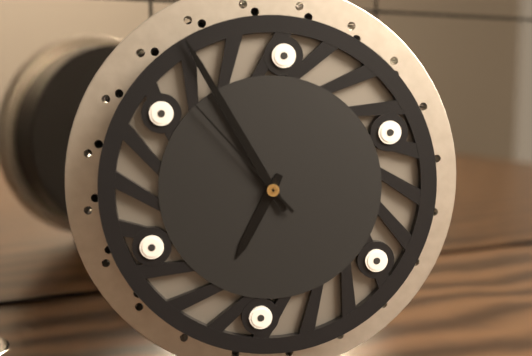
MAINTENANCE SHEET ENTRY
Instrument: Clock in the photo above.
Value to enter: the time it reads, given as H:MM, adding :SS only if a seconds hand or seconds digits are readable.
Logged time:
6:55:53
